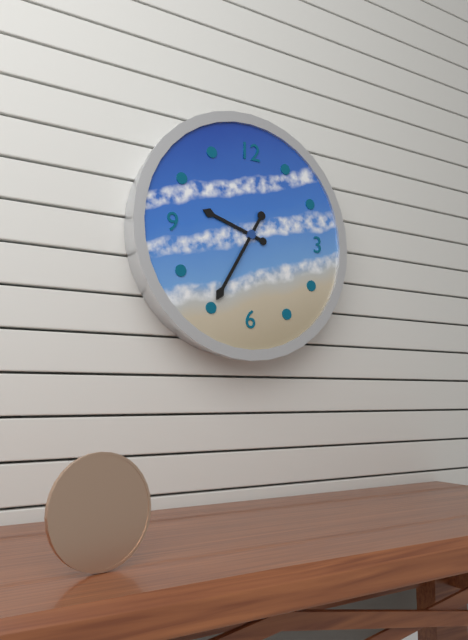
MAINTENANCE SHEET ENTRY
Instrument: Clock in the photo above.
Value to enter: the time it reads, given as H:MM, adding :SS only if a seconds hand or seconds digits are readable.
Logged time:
9:35
